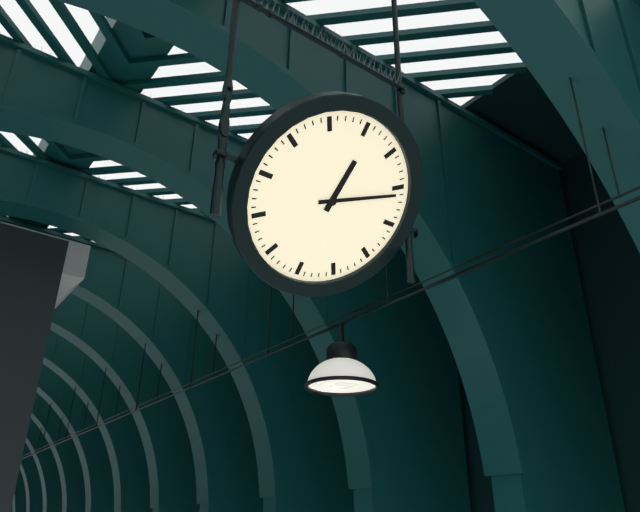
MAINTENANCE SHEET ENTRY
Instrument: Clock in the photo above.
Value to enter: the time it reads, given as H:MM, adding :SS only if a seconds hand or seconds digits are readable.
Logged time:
12:11
